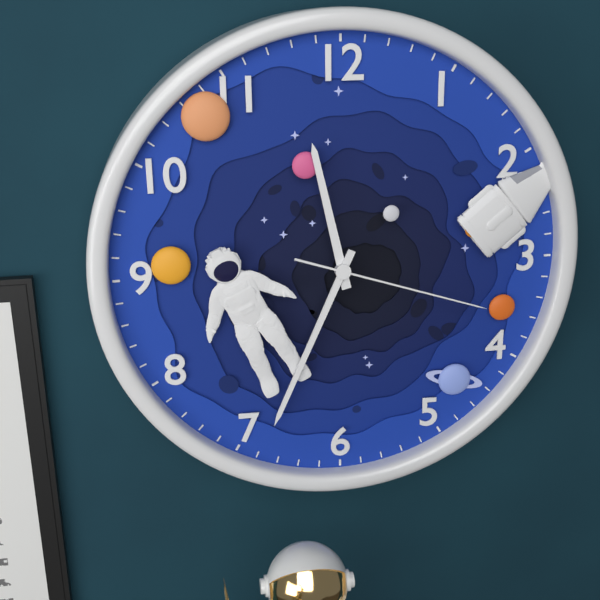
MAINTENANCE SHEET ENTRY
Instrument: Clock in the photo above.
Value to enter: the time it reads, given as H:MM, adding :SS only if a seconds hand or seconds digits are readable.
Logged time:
11:34:18
